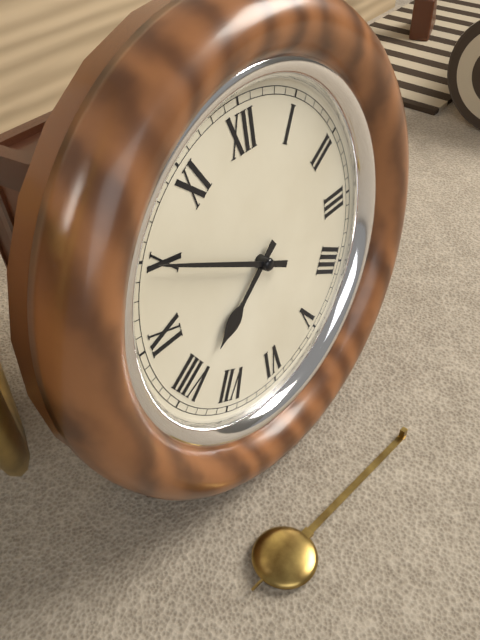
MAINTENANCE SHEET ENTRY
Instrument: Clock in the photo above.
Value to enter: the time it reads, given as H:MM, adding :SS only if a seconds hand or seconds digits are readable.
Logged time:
7:50
